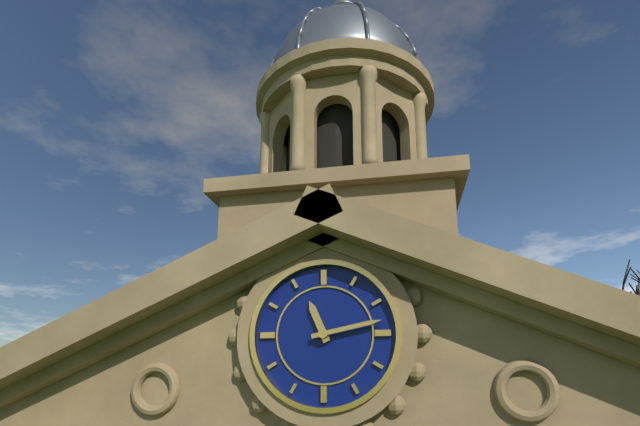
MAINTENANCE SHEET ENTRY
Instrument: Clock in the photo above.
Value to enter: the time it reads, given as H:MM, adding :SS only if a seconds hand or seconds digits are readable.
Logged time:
11:13
